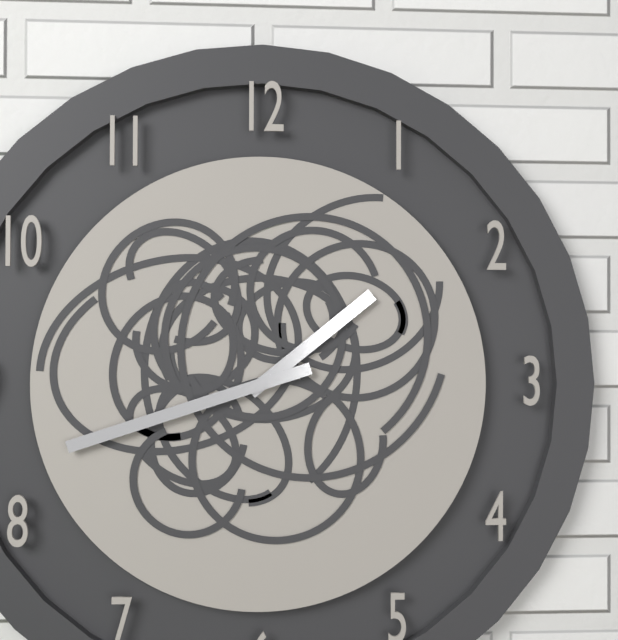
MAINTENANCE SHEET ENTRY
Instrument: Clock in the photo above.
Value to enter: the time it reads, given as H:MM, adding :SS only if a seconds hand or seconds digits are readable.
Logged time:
1:42
